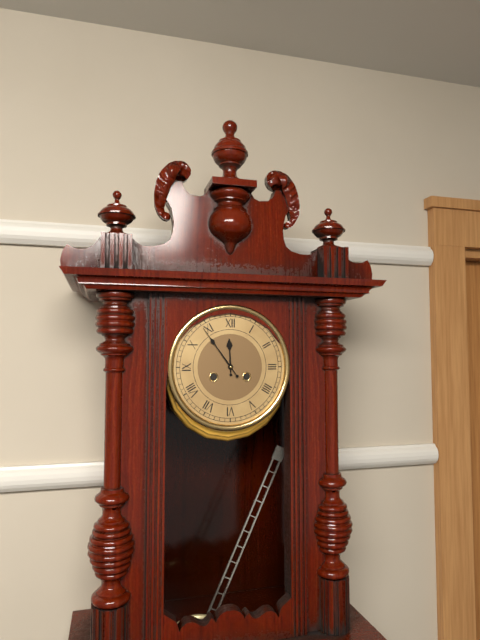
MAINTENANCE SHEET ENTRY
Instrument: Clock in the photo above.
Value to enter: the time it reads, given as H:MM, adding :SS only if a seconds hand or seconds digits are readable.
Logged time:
11:54
